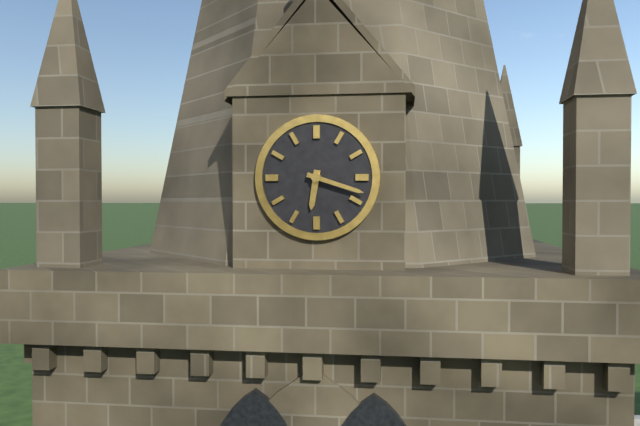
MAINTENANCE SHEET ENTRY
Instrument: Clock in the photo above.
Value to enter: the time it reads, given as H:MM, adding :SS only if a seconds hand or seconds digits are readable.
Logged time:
6:18
